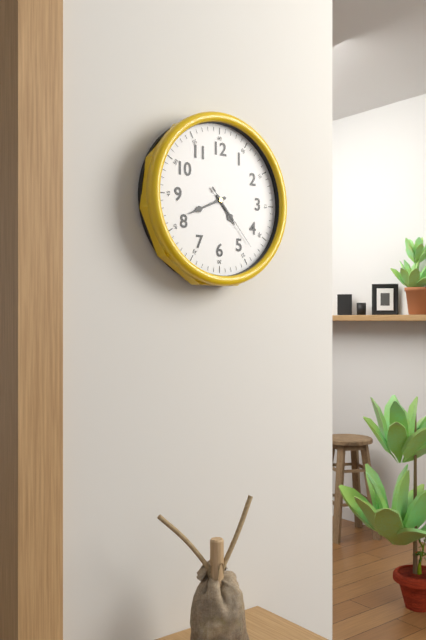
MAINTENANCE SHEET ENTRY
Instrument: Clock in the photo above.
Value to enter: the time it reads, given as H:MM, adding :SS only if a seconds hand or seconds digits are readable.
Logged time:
4:41:23
